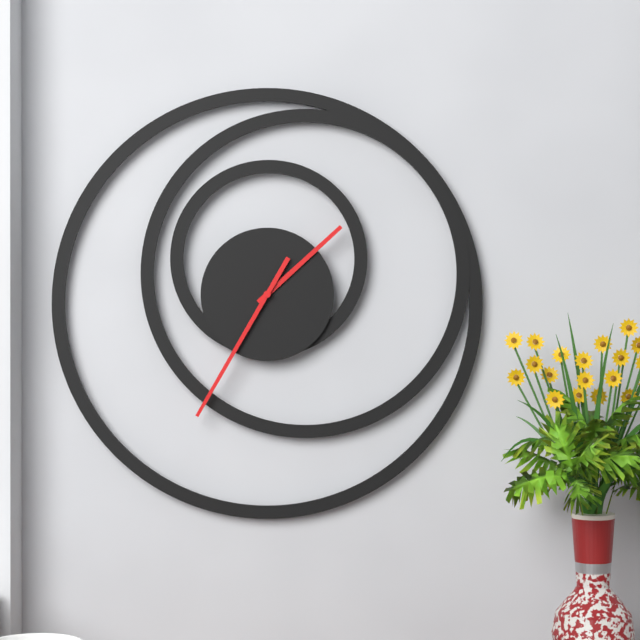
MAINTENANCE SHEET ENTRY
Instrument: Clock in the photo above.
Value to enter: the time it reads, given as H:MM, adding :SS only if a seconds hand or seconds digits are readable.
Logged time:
1:35
